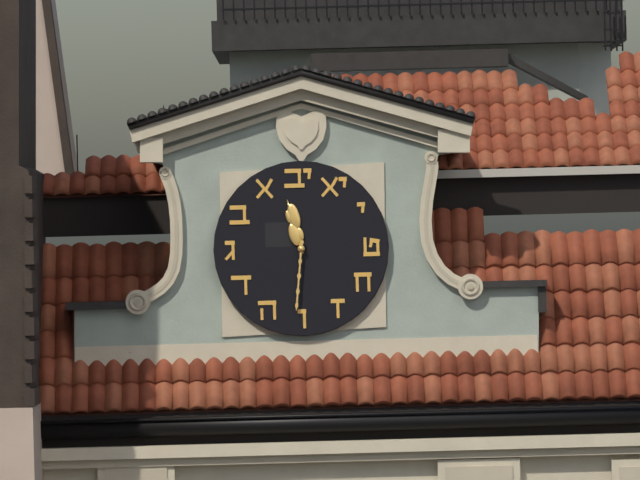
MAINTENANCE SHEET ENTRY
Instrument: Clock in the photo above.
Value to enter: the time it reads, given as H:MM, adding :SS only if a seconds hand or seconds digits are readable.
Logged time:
11:31
